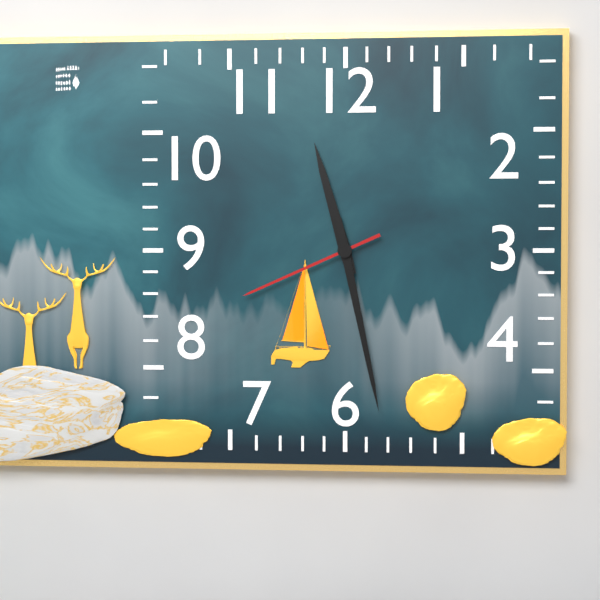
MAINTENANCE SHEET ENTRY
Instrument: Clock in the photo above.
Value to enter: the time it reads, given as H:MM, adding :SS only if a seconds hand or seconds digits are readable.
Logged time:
11:28:41
